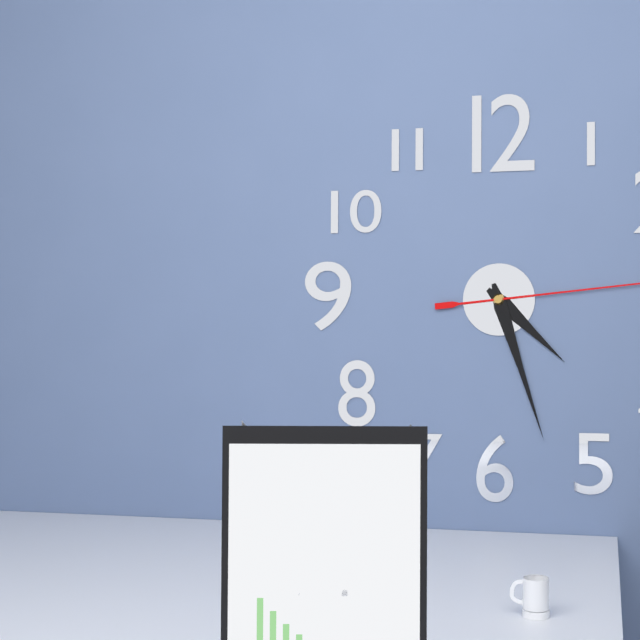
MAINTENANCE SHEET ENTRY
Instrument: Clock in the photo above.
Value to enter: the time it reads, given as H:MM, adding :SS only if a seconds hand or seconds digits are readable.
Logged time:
4:27
